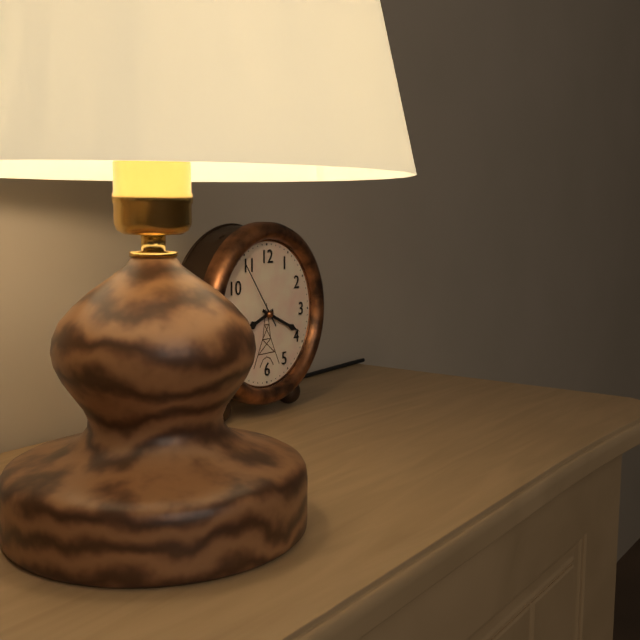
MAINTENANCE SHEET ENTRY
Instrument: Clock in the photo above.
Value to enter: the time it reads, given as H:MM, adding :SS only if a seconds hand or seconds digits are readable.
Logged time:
8:19:54
